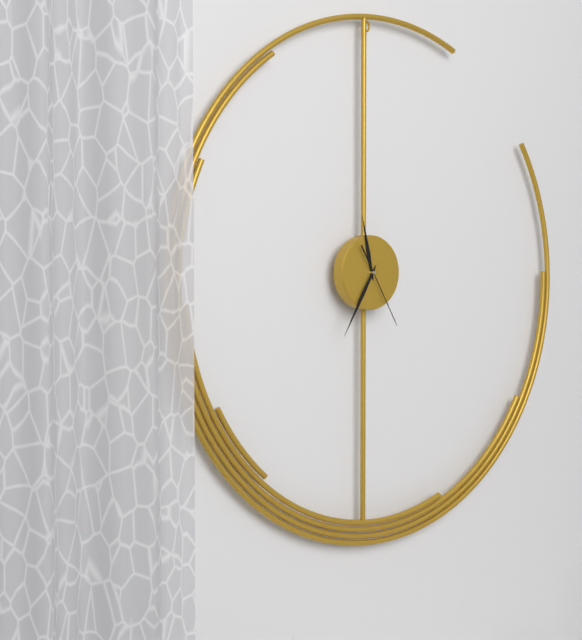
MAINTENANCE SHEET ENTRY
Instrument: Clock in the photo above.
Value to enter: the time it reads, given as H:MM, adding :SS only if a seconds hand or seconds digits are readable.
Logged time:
11:35:25
